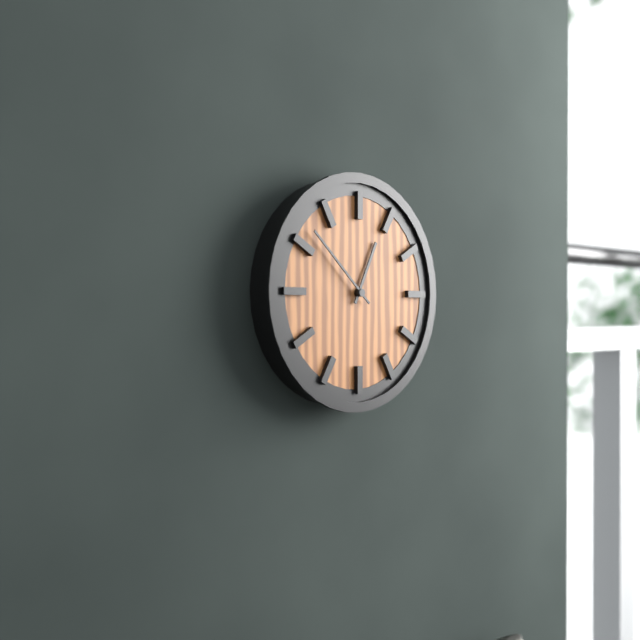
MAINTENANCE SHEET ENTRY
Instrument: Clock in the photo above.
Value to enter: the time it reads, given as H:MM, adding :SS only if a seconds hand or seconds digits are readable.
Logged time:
12:52
